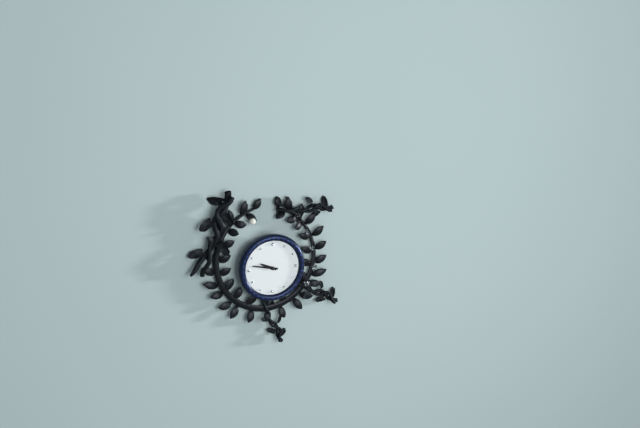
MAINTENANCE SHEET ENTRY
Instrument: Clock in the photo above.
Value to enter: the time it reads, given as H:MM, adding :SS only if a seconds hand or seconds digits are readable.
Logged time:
9:47
